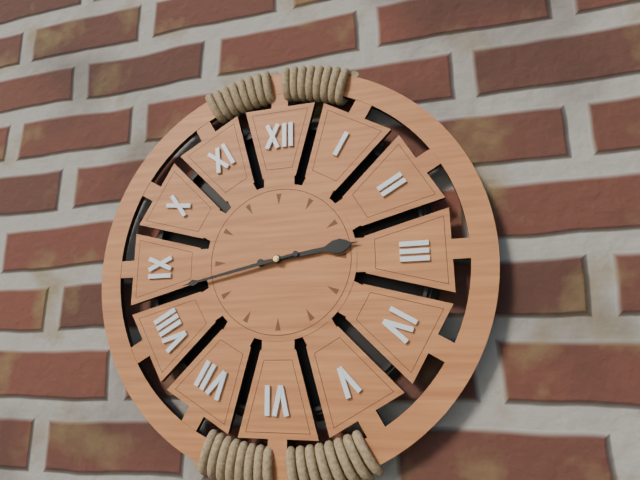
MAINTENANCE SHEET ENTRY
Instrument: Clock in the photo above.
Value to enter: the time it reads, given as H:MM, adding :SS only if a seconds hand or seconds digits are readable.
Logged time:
2:43
